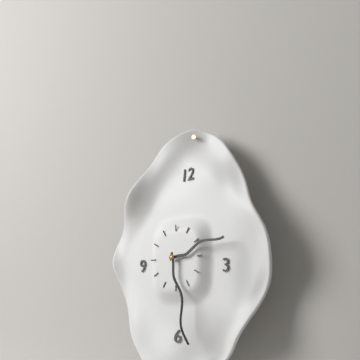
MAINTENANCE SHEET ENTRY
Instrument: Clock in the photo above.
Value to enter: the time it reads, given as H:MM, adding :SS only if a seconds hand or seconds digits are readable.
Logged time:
2:28
